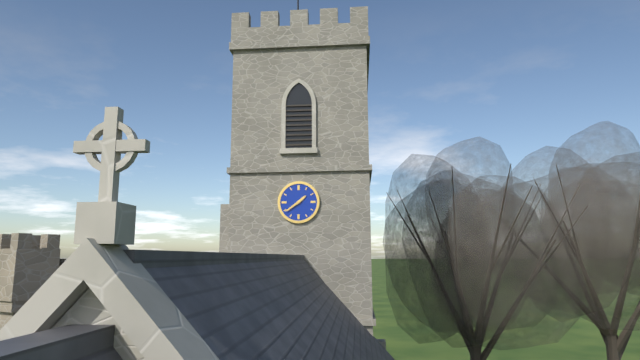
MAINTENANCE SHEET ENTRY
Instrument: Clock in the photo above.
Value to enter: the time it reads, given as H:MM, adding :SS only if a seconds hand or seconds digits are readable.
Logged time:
1:39
